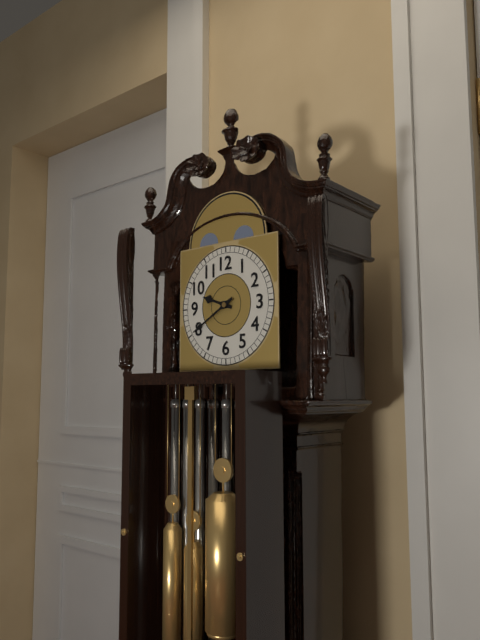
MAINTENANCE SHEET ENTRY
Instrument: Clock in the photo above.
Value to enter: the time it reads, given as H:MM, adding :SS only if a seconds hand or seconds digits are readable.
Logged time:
9:40
